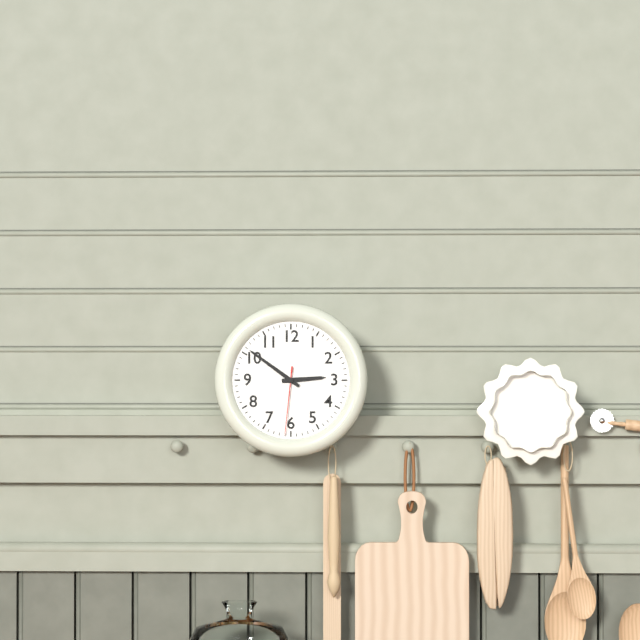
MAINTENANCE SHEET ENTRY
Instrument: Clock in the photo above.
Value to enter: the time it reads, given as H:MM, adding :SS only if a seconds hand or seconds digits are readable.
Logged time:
2:51:31
